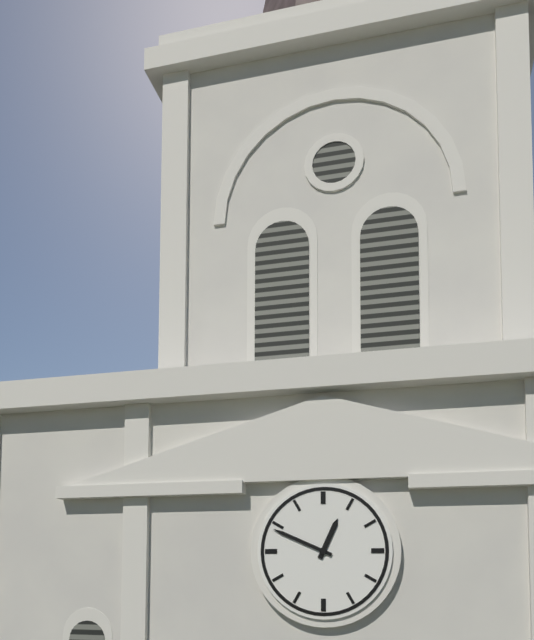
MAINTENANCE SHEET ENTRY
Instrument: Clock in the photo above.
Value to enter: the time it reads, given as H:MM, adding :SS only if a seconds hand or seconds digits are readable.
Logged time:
12:49
